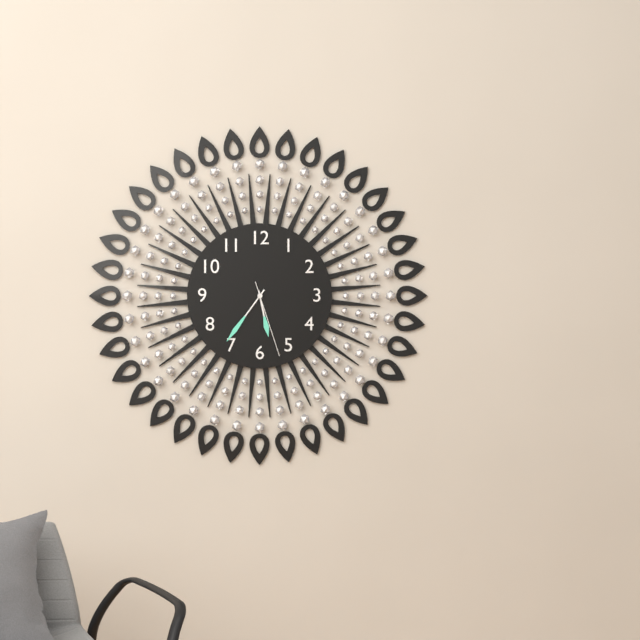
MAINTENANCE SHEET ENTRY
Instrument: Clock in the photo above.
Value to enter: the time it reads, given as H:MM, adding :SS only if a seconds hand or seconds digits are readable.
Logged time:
5:36:27
